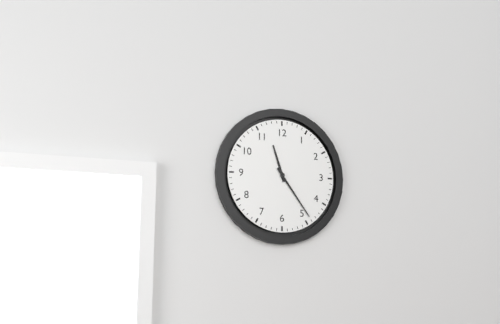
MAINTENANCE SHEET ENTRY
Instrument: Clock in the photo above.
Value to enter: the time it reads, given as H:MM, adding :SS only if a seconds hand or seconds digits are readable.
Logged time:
11:24
